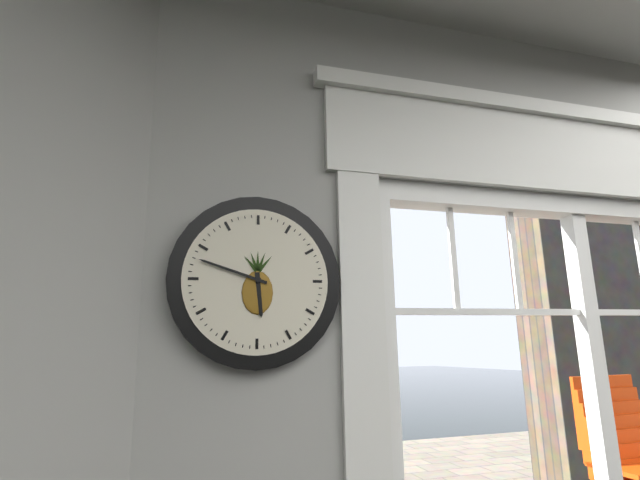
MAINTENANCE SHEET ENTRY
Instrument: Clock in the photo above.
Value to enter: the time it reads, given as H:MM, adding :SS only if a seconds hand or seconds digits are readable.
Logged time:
5:48
